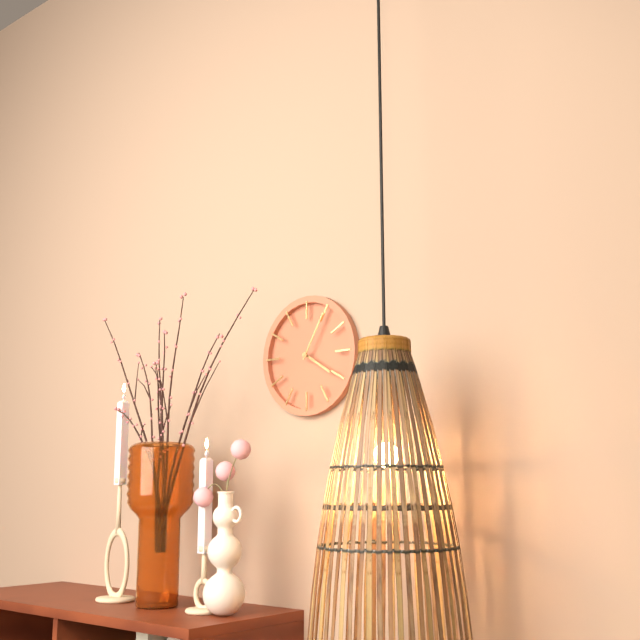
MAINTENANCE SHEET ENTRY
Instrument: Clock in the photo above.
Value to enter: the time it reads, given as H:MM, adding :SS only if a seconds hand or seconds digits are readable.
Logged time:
4:05
